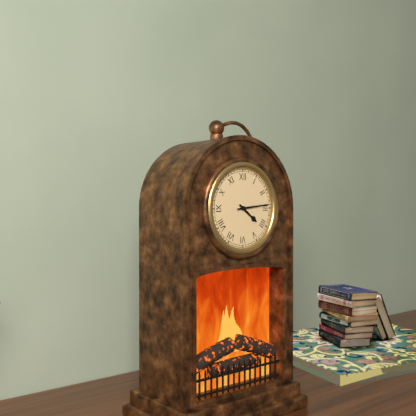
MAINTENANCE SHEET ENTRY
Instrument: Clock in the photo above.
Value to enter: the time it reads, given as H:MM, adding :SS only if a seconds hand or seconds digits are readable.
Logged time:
4:14
